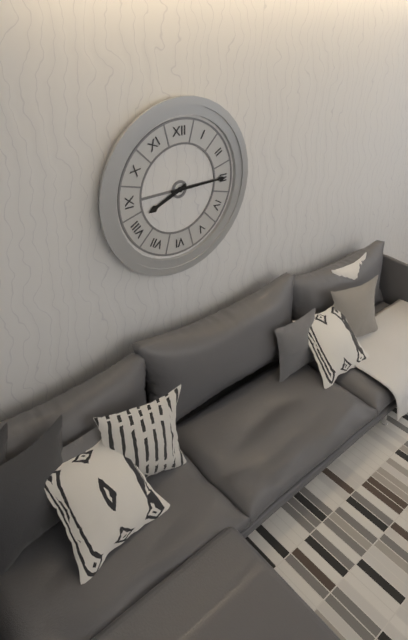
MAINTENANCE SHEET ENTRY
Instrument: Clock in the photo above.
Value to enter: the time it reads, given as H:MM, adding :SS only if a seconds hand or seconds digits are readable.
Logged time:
8:15
